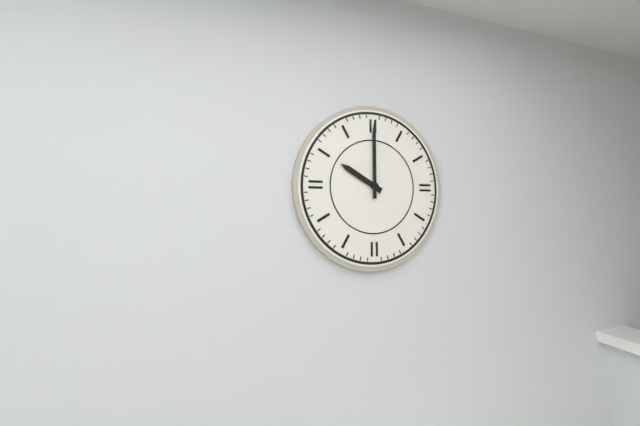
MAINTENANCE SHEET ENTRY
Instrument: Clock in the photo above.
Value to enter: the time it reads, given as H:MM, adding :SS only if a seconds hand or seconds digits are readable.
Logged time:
10:00
